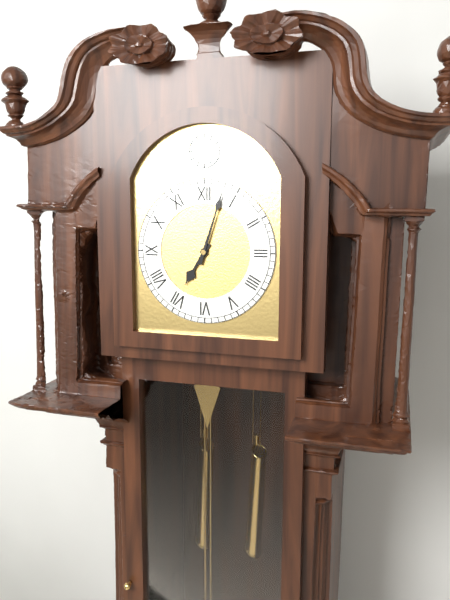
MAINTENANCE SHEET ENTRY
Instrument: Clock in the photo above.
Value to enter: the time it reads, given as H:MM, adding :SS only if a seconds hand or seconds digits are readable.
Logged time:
7:03
